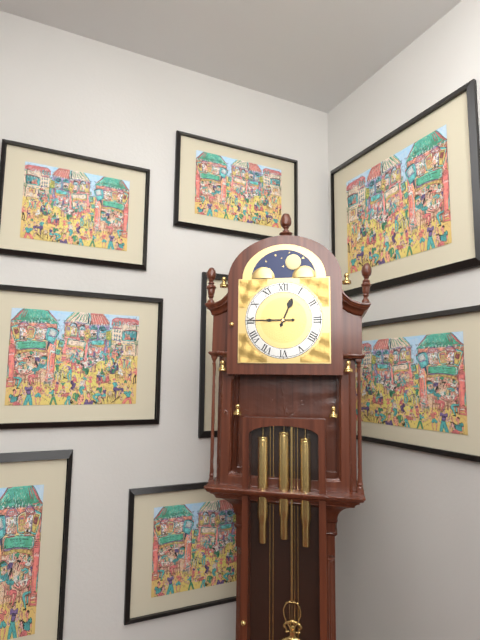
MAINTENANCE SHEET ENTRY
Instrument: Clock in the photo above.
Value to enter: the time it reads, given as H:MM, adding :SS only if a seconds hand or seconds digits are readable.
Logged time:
12:45
